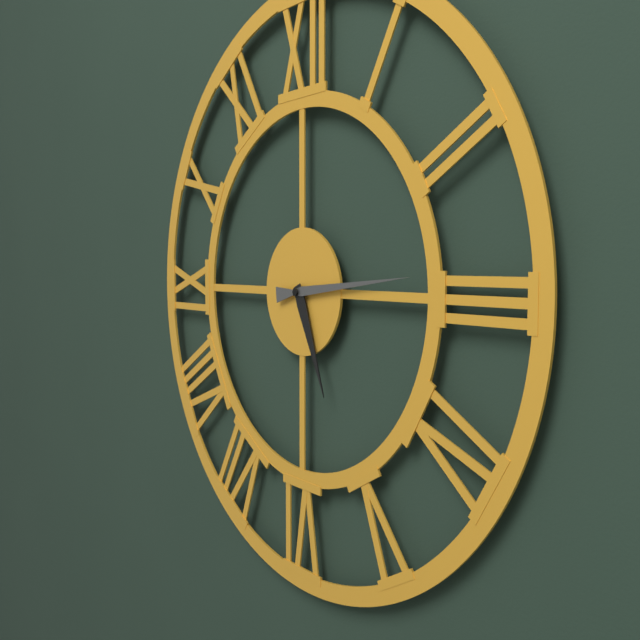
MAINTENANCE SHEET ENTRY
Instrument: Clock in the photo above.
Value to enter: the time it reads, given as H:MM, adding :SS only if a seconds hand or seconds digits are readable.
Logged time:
5:14
